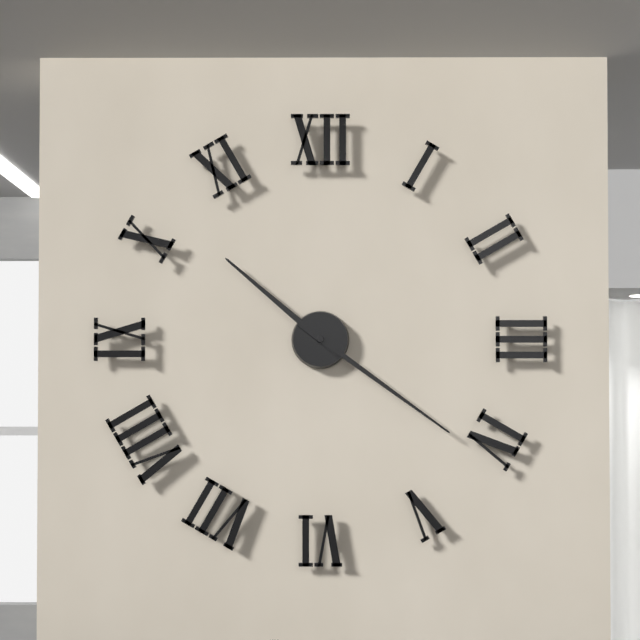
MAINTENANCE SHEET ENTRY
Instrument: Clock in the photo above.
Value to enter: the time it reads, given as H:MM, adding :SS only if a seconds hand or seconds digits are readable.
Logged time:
10:21
